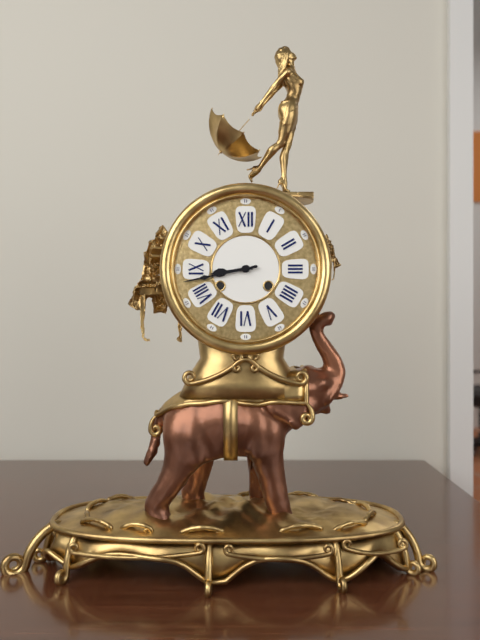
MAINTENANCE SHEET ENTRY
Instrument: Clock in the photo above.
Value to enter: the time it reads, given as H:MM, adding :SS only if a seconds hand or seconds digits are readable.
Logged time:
8:43
